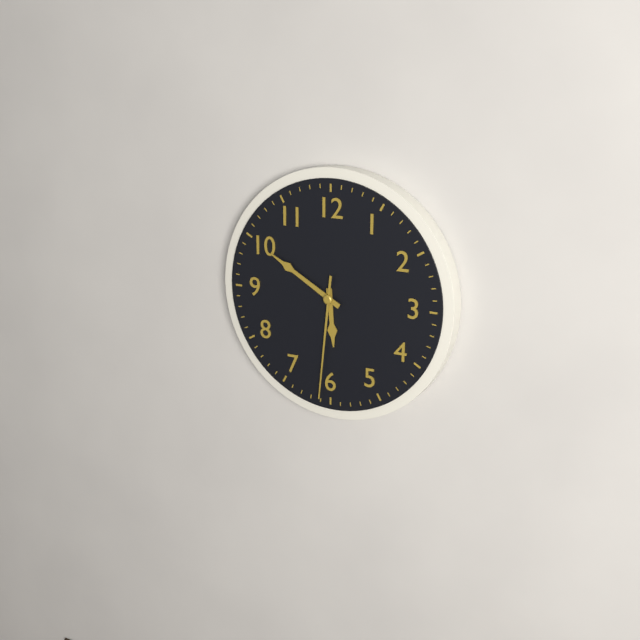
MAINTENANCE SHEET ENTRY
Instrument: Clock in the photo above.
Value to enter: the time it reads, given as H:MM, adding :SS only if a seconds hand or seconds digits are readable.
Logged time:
5:50:31
